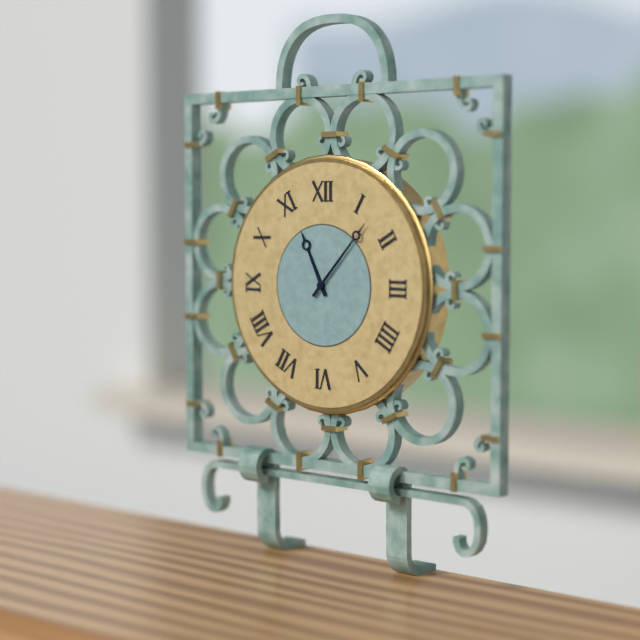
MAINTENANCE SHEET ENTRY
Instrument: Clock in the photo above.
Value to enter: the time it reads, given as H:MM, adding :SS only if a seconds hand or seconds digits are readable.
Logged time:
11:07
